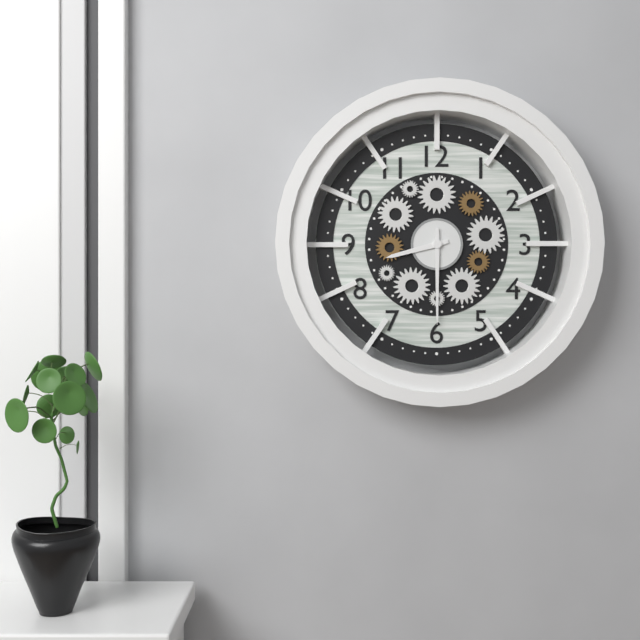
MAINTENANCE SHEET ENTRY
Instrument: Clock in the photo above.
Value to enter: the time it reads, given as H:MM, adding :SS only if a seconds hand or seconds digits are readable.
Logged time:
8:30
